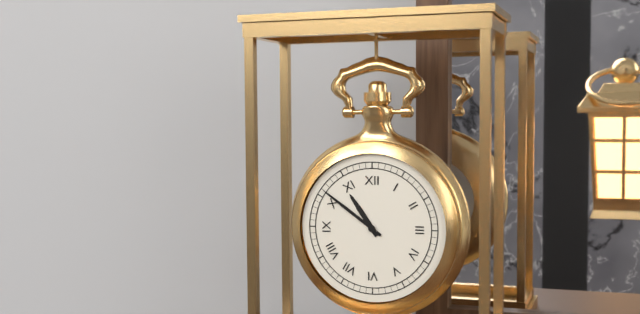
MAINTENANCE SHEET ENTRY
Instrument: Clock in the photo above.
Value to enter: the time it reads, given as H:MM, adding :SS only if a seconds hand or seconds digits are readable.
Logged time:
10:51
